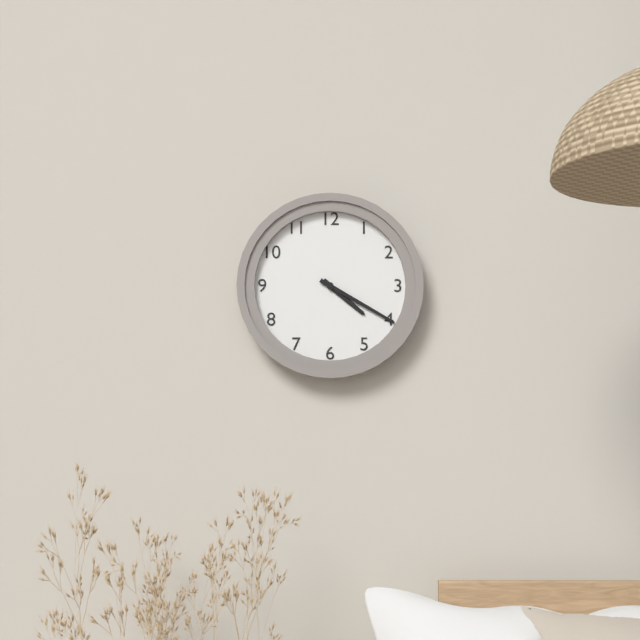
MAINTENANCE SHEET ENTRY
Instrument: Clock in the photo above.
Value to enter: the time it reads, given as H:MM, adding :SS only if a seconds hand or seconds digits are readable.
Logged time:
4:20
